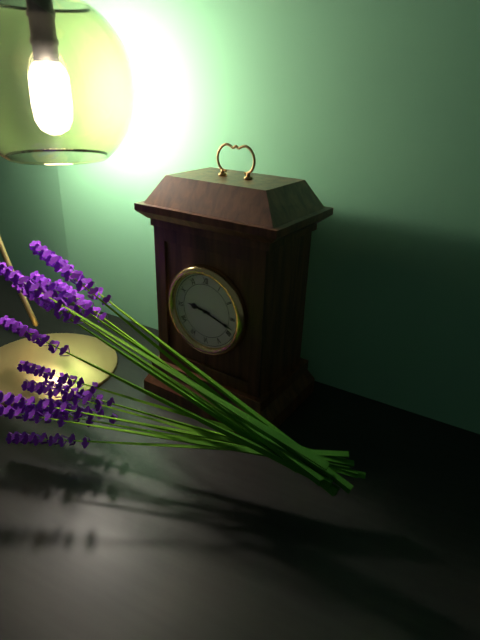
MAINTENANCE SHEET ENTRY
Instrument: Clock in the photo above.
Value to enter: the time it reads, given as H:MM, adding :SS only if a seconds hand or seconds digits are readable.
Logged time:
9:18
